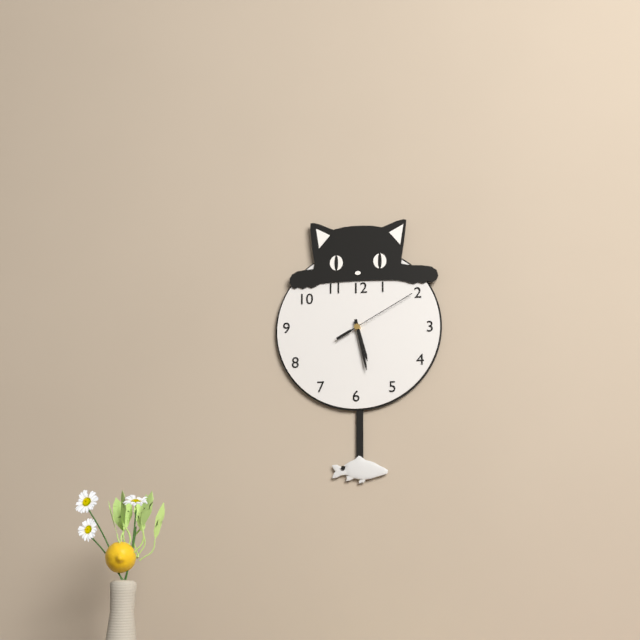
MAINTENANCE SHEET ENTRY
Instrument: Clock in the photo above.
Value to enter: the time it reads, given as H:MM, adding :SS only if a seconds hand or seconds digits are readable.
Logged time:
5:28:10
